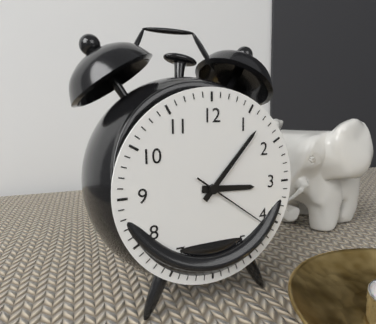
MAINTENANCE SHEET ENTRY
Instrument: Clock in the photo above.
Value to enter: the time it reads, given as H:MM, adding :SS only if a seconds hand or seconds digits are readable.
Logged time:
3:07:21
